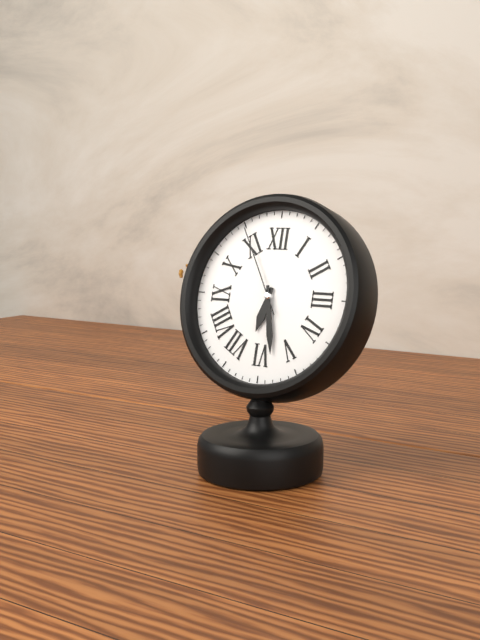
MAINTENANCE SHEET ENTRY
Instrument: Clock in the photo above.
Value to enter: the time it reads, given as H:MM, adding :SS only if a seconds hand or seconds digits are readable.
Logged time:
6:28:55
